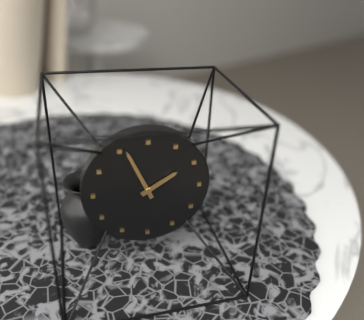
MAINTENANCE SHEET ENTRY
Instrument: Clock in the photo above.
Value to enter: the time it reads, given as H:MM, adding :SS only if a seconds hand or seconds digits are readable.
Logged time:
1:56
